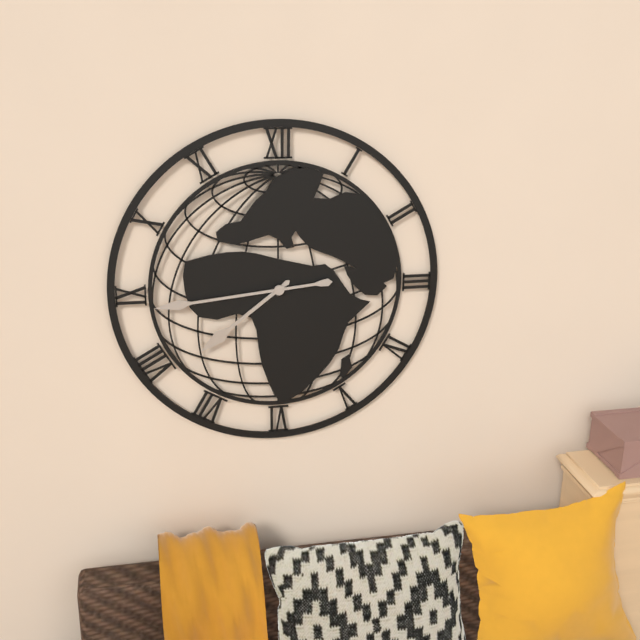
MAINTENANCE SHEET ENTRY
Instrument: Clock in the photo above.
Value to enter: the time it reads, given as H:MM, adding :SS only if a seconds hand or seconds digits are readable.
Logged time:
7:44
